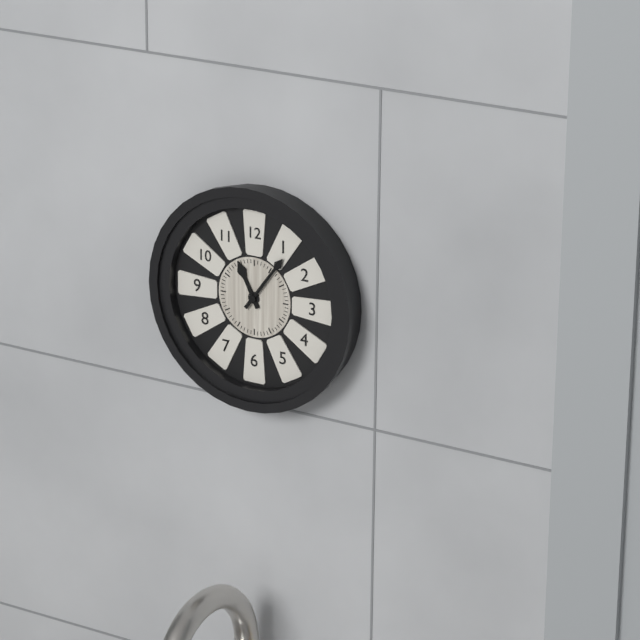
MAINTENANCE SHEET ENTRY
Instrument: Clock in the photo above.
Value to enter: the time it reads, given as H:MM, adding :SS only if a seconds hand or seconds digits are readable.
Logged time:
11:06
